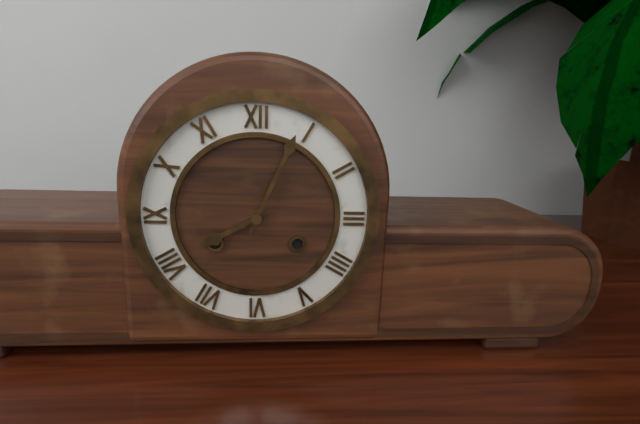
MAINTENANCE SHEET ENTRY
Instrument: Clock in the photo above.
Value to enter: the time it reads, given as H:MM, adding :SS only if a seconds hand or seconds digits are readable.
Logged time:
8:04
